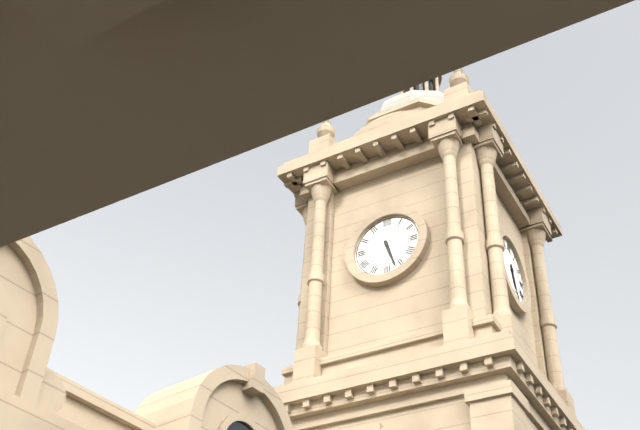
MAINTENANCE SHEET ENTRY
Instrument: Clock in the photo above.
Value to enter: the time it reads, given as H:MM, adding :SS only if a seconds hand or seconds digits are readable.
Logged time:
5:27
